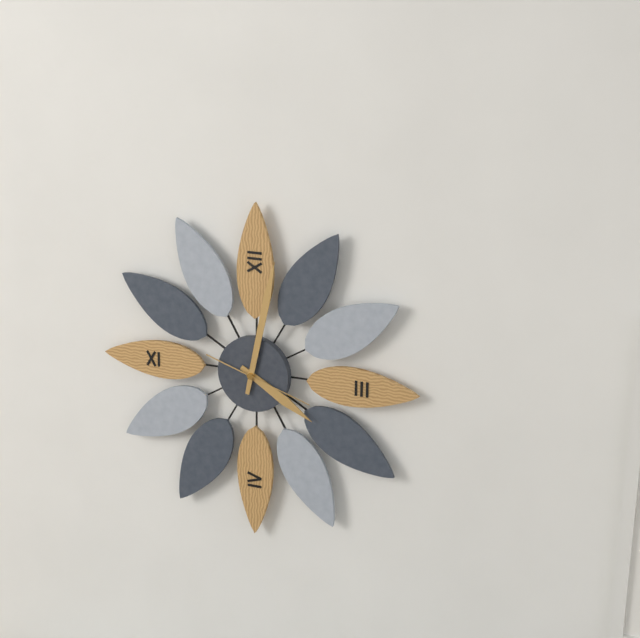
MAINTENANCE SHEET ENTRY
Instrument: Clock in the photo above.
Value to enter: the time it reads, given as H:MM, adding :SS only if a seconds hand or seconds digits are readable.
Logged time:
4:02:18
